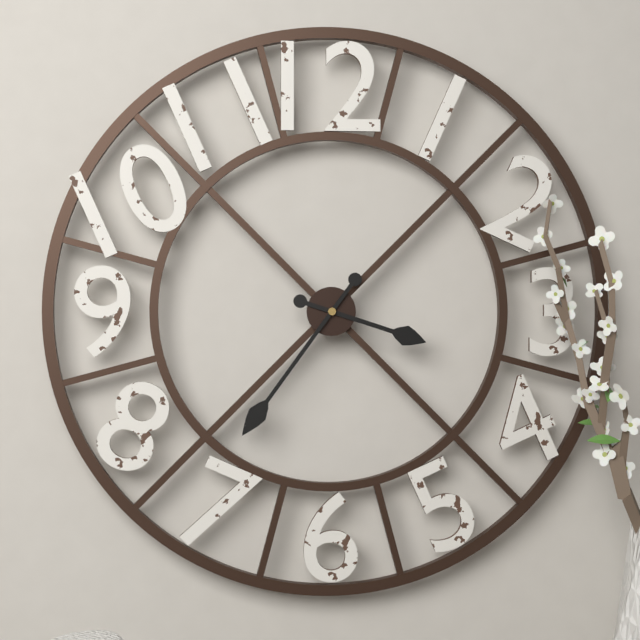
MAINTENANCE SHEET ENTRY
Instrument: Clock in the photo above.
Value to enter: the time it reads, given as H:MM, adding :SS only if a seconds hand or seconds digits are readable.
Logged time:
3:36
